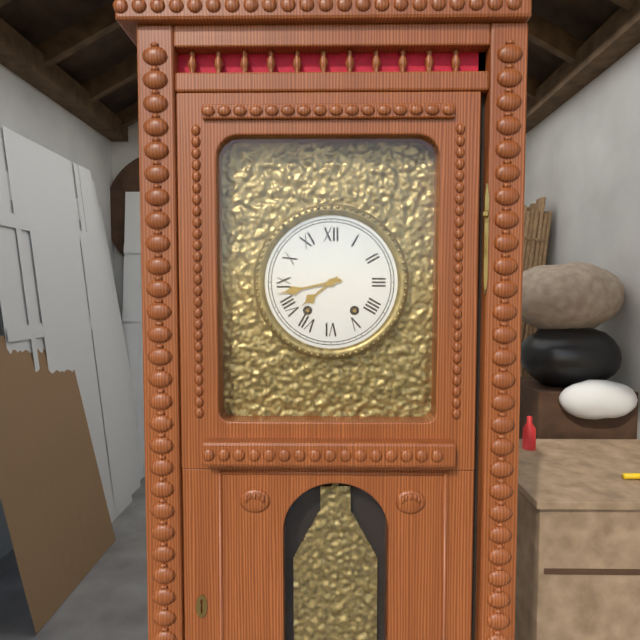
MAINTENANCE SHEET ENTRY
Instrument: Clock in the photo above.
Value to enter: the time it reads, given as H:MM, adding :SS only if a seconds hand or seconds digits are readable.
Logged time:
7:43
